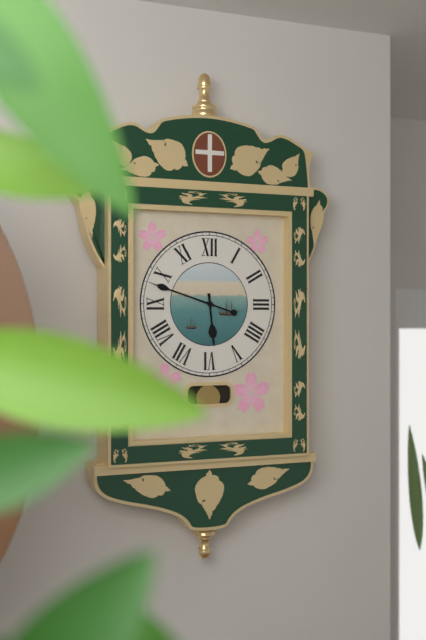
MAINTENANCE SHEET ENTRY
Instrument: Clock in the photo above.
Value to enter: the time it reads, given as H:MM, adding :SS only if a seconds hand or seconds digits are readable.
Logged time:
5:48
